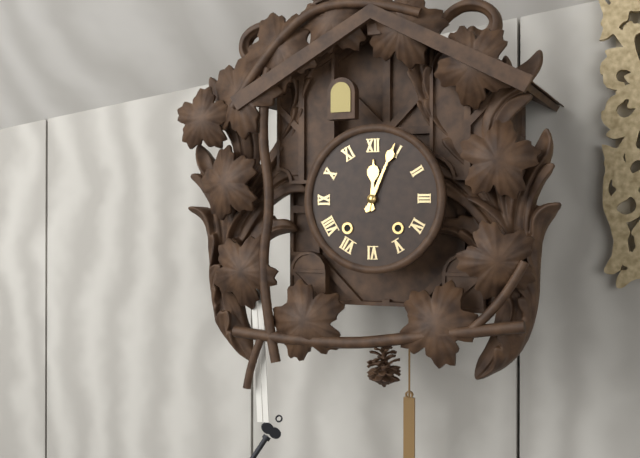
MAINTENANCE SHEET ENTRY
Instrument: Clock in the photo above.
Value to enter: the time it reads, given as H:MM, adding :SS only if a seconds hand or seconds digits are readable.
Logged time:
12:04
